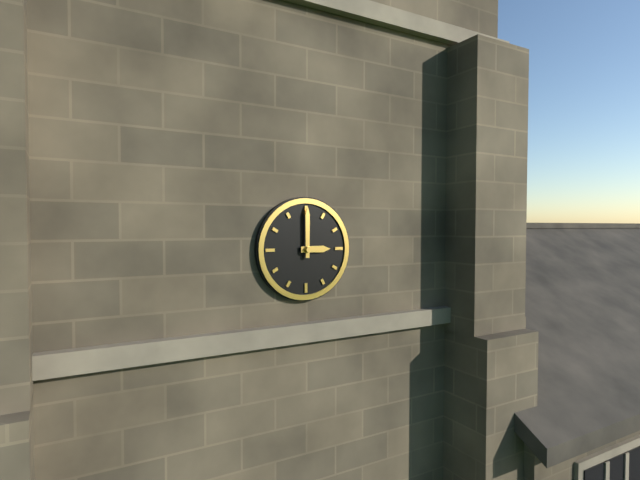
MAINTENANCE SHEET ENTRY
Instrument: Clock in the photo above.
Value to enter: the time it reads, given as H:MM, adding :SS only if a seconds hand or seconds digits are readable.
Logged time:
3:00
